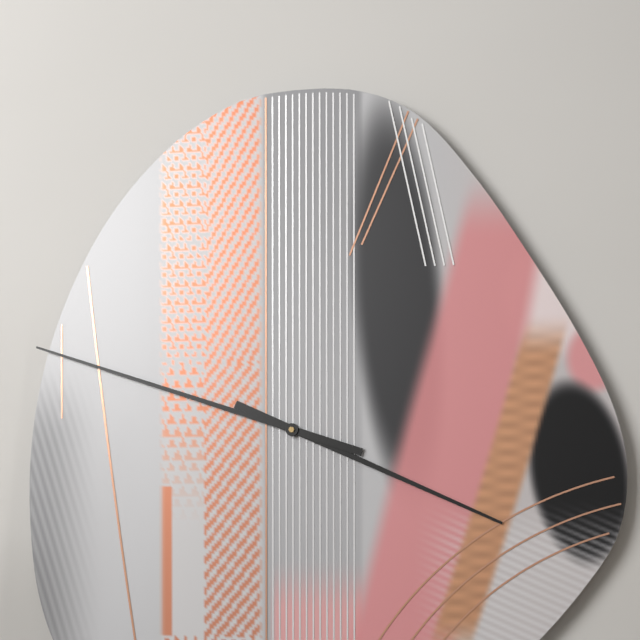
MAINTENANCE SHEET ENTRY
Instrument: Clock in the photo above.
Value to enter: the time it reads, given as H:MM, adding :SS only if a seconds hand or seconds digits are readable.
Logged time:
3:48
